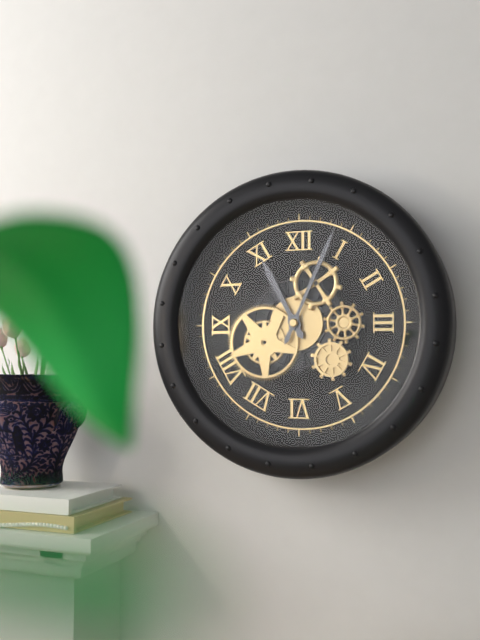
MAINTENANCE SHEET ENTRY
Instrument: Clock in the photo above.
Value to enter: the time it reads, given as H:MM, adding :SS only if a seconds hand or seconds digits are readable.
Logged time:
11:04
